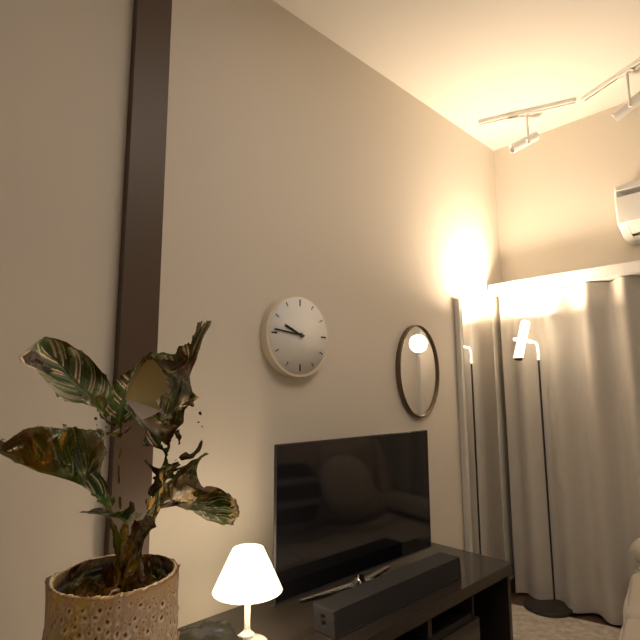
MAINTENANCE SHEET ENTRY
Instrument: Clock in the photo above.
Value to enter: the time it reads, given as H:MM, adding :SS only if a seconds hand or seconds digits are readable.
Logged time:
9:46
